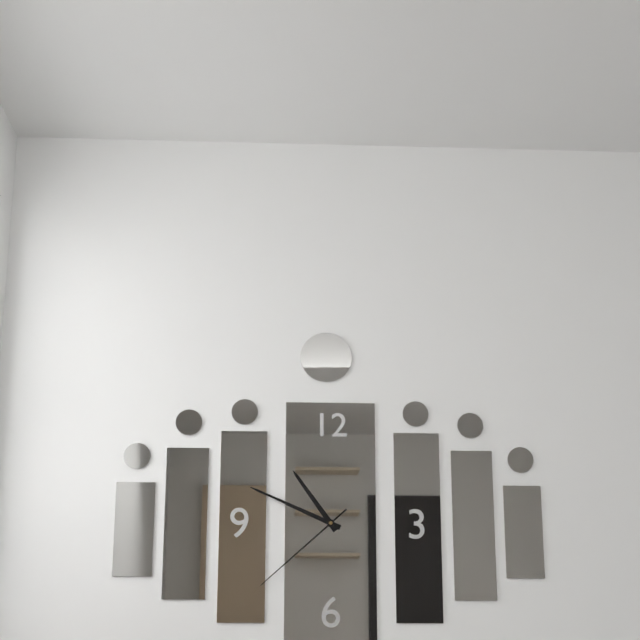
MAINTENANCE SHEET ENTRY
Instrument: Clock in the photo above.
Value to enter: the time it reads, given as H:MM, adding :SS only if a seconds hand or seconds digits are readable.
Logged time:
10:49:38
